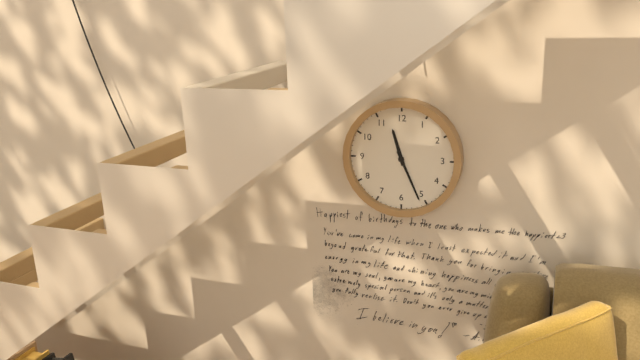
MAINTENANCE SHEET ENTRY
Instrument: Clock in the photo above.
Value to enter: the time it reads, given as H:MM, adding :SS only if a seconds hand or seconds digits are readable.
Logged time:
11:26
